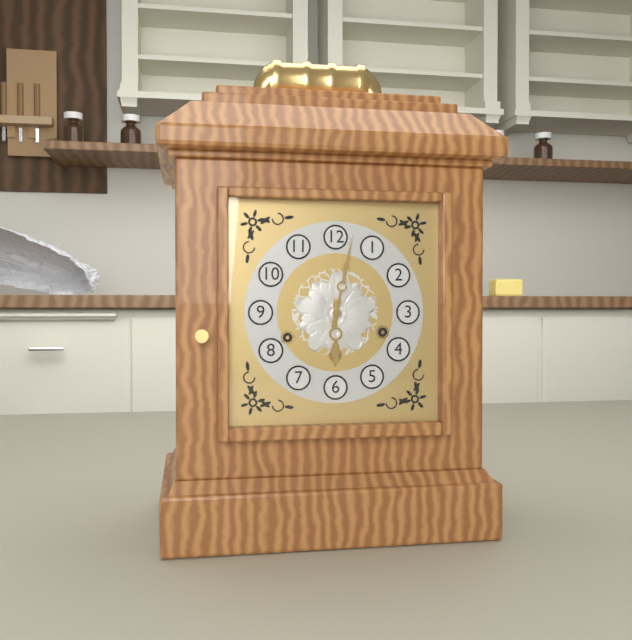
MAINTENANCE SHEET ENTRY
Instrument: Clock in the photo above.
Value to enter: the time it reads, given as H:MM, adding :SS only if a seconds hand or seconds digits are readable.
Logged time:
6:02
